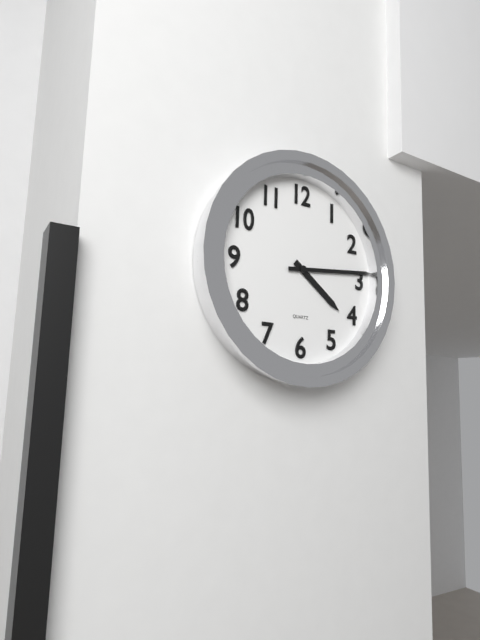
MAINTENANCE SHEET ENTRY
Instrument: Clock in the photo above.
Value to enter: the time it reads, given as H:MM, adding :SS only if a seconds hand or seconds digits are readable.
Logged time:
4:14
